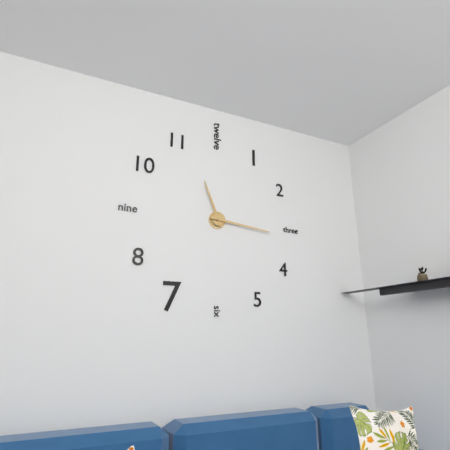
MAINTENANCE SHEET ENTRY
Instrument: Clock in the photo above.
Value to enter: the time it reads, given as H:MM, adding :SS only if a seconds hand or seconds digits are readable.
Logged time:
11:16
